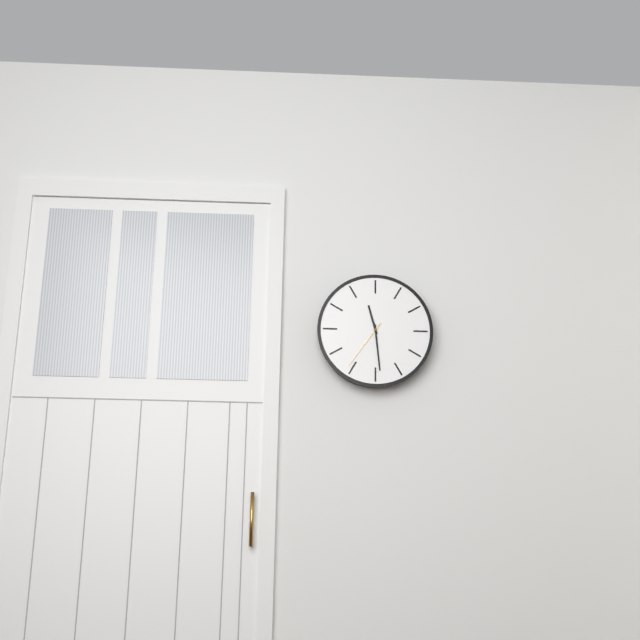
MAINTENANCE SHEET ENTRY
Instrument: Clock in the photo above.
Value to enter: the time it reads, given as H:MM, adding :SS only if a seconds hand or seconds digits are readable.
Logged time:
11:29:36
